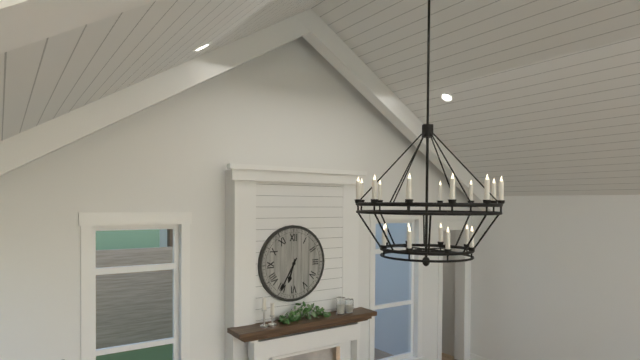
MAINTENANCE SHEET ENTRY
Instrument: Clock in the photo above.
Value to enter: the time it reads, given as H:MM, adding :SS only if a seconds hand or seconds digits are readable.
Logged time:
6:35
